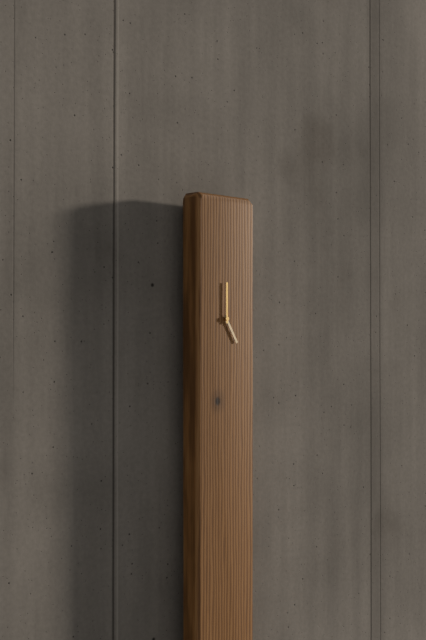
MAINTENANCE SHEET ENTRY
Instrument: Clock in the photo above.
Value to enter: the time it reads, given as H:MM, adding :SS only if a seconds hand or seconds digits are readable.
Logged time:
5:00
